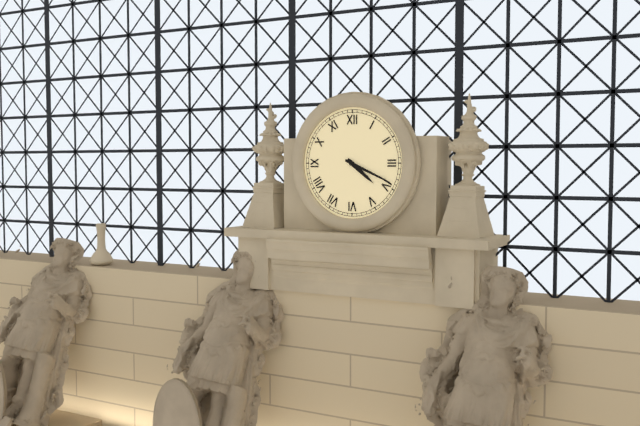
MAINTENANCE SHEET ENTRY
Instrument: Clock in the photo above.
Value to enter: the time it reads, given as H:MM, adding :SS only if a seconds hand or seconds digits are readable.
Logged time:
4:19
